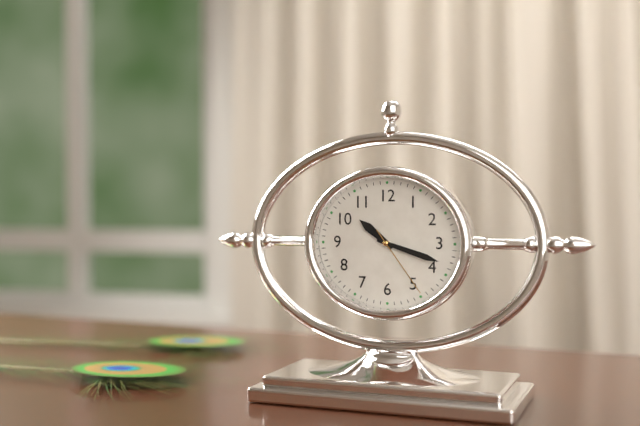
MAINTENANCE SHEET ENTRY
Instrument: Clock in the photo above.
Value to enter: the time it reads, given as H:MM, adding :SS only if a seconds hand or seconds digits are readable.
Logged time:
10:18:24
